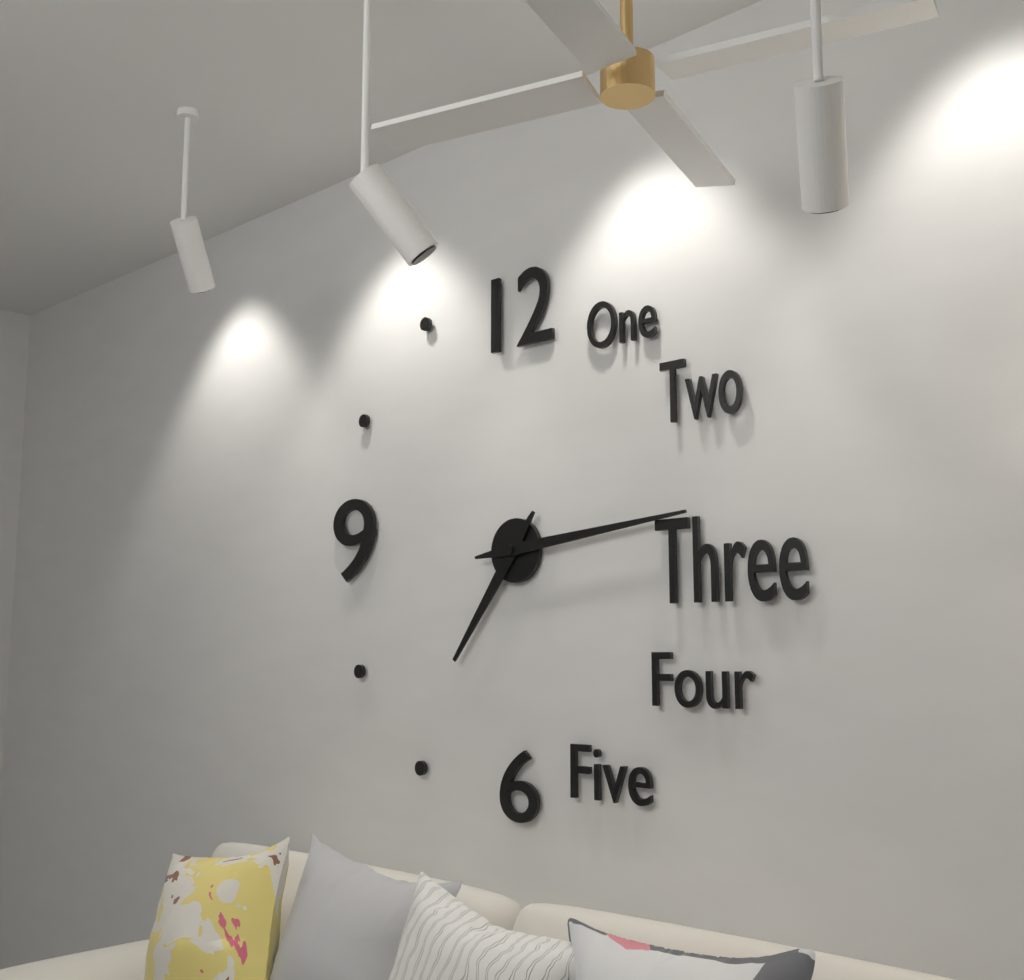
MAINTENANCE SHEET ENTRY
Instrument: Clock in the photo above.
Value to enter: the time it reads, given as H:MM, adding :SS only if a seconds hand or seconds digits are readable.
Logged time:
7:14
